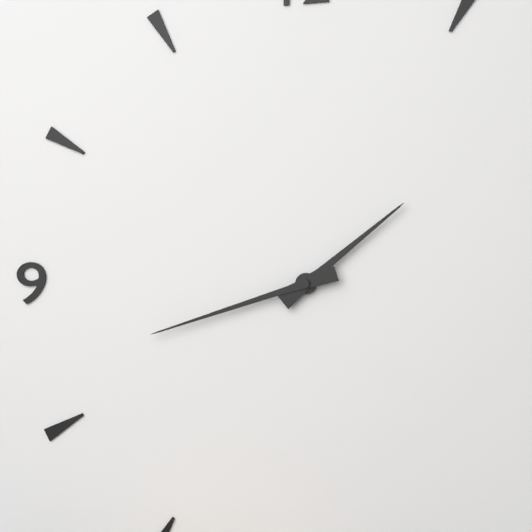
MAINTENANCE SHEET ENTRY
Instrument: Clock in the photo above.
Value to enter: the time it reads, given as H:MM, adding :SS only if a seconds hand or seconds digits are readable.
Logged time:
1:42
